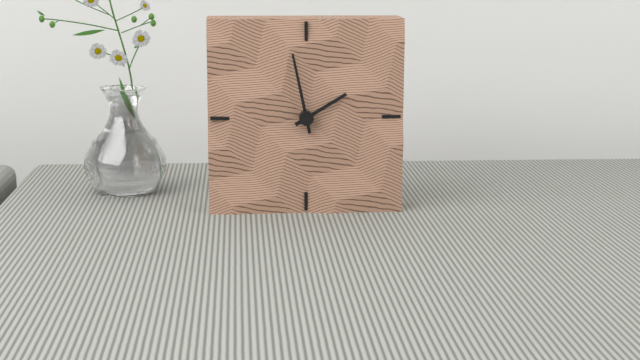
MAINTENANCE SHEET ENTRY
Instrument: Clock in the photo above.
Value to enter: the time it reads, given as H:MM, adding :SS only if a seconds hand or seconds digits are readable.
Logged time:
1:58
